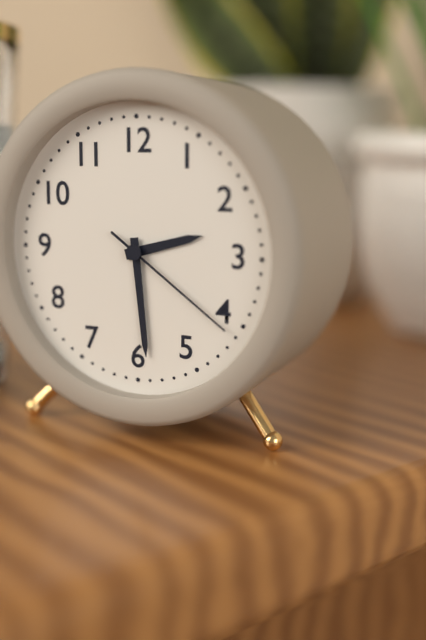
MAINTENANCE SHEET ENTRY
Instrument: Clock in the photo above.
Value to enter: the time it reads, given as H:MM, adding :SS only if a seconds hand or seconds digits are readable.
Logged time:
2:29:21
